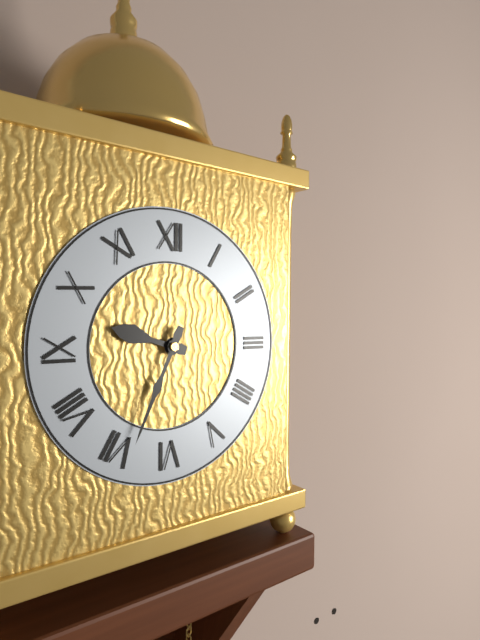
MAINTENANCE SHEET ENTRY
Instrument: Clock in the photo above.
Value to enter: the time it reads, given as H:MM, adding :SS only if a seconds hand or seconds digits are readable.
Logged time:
9:34
